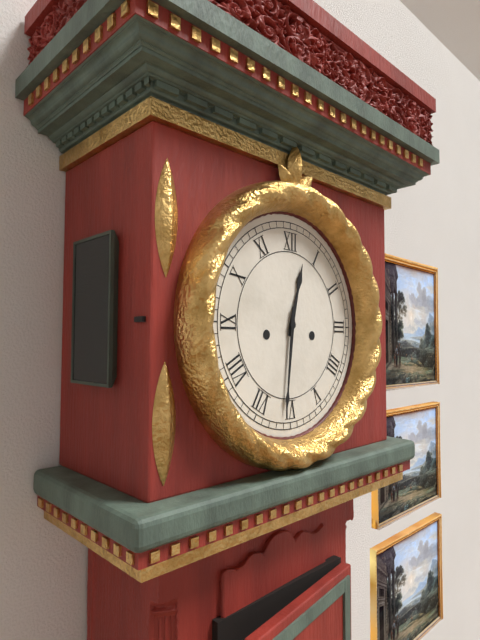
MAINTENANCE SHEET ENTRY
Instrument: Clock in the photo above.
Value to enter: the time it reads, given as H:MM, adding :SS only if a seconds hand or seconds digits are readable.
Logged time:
12:31
